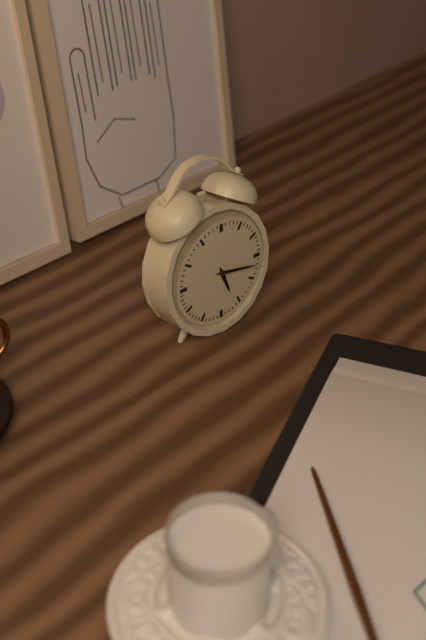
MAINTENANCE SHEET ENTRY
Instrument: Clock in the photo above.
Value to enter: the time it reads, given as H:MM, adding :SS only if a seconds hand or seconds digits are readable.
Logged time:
5:17
